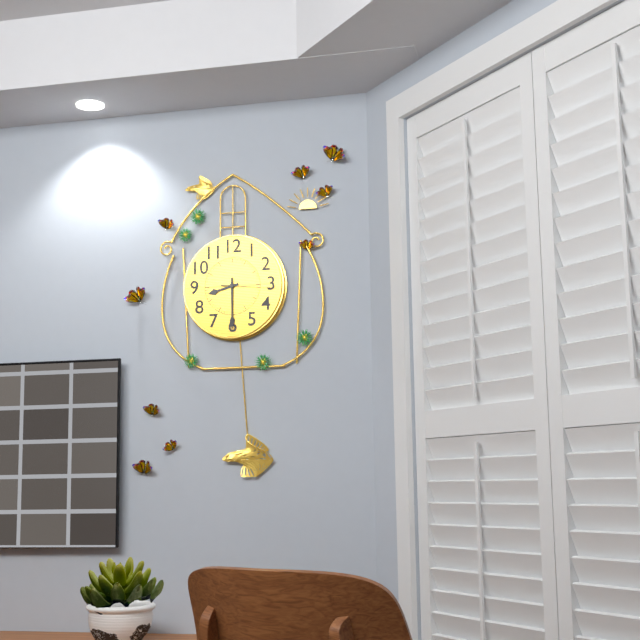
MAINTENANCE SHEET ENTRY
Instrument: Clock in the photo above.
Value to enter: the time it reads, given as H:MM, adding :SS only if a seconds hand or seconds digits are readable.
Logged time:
8:30:16
